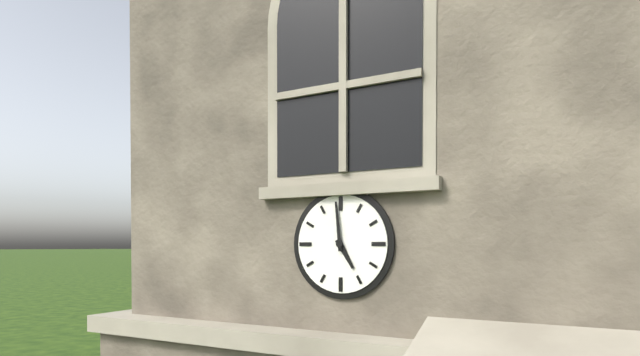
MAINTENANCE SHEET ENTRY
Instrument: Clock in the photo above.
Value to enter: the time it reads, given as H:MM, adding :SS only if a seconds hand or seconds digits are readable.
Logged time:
4:59
